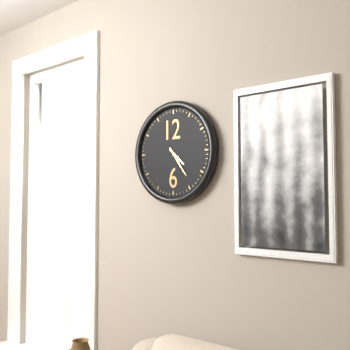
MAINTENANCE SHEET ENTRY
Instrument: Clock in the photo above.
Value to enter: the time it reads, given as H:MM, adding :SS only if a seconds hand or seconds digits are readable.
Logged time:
4:24
